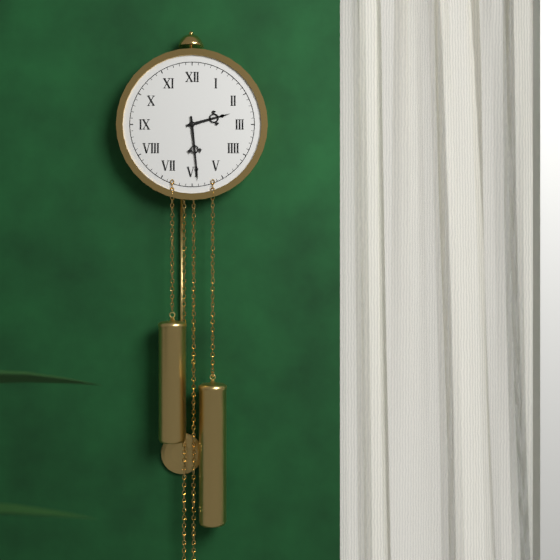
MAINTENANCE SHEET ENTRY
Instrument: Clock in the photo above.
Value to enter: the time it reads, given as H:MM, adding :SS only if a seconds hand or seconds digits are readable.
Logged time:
2:29
